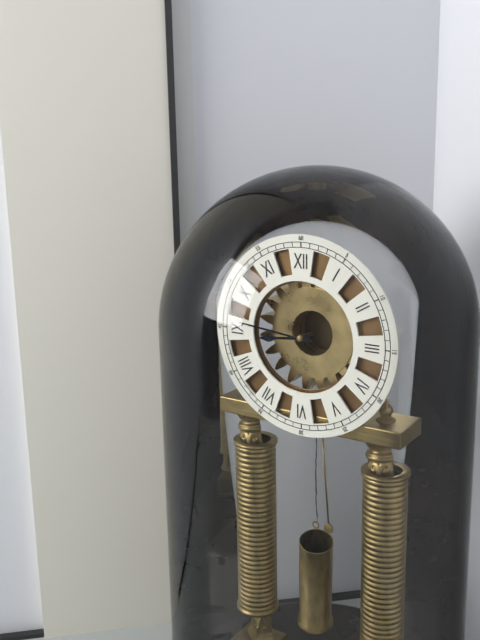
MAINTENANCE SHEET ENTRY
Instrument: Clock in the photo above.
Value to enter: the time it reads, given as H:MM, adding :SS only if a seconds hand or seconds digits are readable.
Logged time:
8:46
